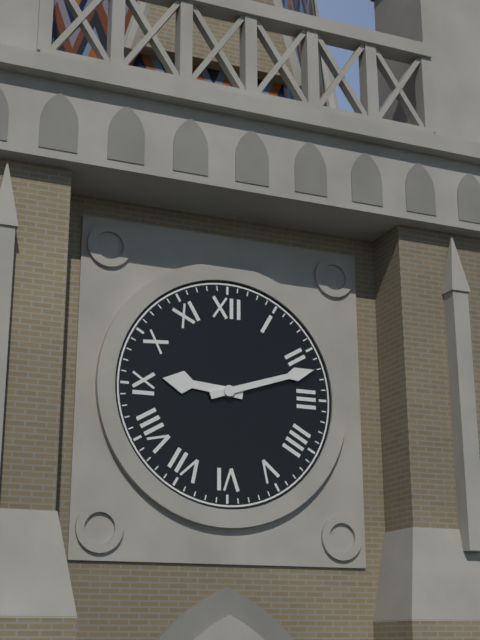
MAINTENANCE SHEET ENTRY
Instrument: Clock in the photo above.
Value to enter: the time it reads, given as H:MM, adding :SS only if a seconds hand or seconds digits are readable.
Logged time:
9:12
